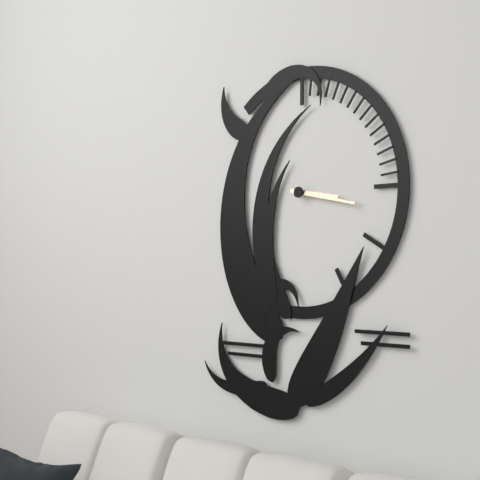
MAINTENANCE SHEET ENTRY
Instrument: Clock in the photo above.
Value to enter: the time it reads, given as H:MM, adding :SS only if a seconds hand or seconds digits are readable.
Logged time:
3:17
